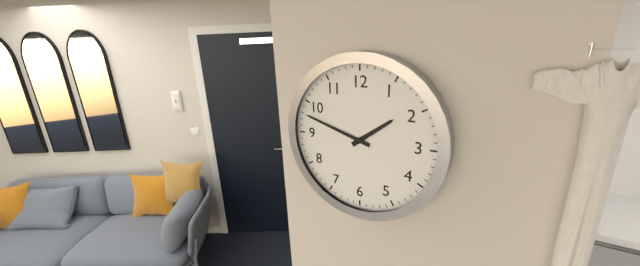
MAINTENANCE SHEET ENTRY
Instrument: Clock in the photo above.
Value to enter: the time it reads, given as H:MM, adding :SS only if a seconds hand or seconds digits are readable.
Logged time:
1:48
